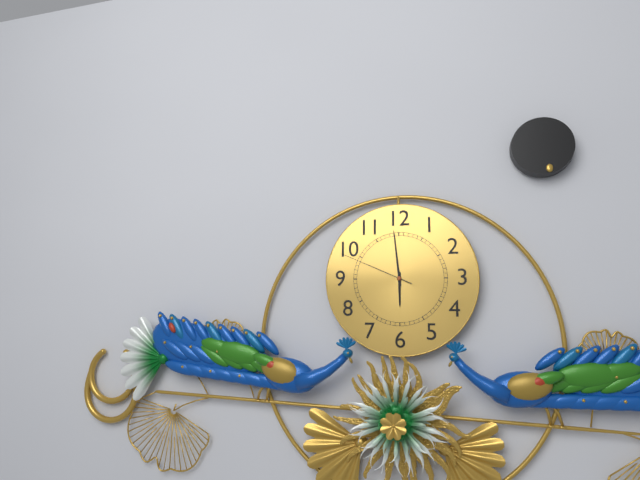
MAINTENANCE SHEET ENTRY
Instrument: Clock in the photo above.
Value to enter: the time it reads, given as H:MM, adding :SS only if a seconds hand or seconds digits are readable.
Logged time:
5:59:49
